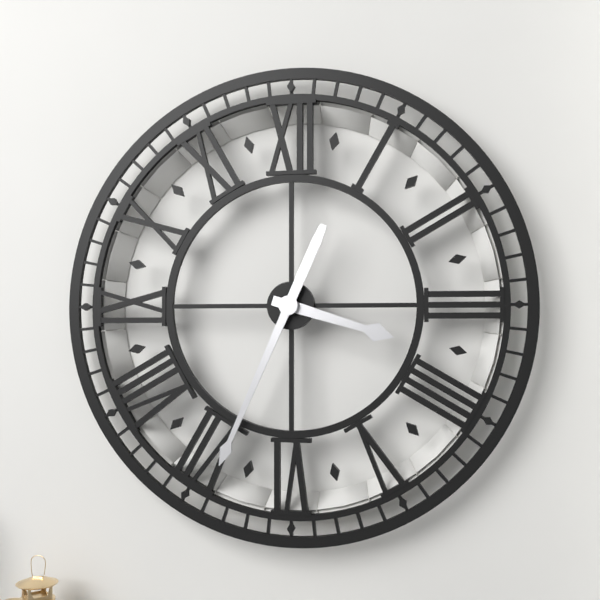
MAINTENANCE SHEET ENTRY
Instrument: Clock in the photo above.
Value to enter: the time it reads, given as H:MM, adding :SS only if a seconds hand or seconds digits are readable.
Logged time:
3:34
